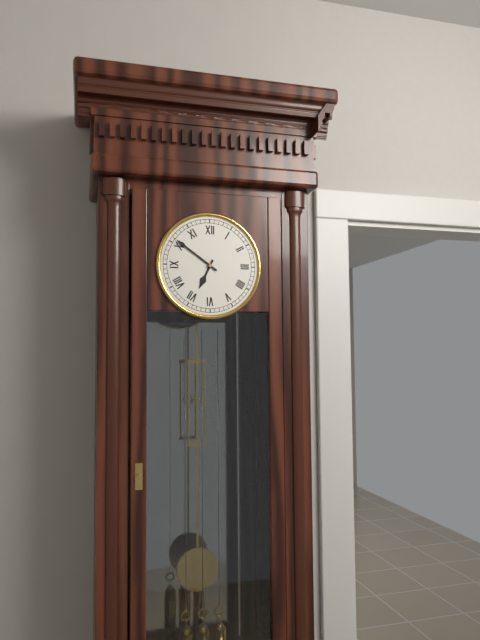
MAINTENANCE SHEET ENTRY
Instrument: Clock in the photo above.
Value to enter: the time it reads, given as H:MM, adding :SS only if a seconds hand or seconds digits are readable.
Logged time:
6:51
